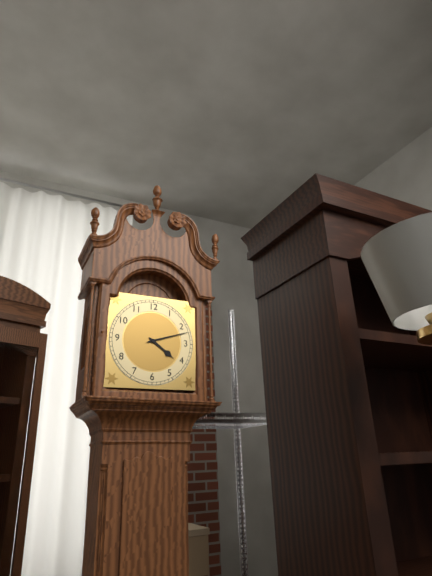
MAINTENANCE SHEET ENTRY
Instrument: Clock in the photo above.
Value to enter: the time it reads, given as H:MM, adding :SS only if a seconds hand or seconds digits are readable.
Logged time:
4:12
